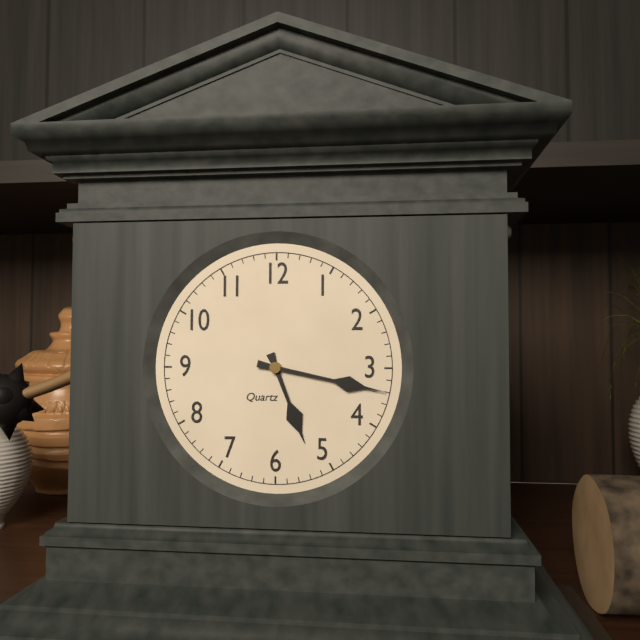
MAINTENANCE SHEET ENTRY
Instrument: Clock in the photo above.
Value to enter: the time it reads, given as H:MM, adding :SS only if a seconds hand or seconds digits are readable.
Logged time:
5:17
